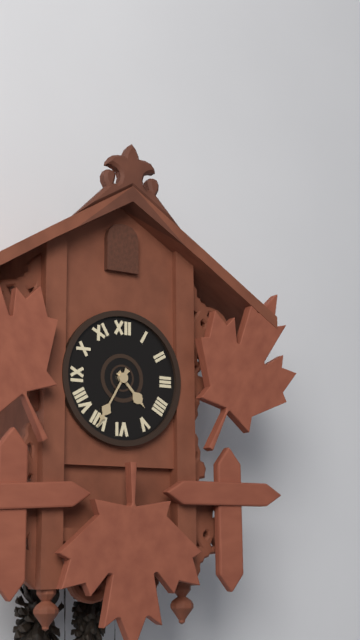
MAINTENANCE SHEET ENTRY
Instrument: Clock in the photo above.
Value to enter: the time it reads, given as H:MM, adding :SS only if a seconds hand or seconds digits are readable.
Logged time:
4:35
